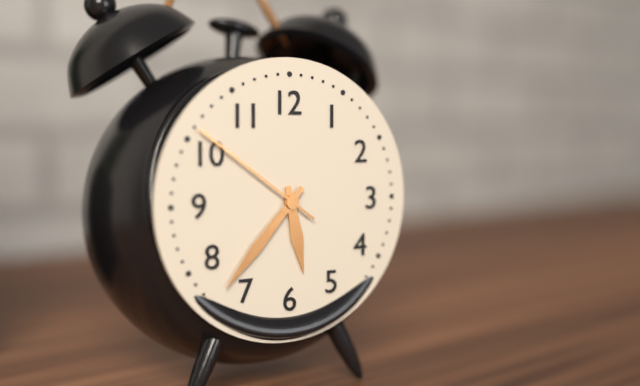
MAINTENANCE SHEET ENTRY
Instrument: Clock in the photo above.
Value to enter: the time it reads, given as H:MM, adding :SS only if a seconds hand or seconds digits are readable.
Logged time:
5:37:51
